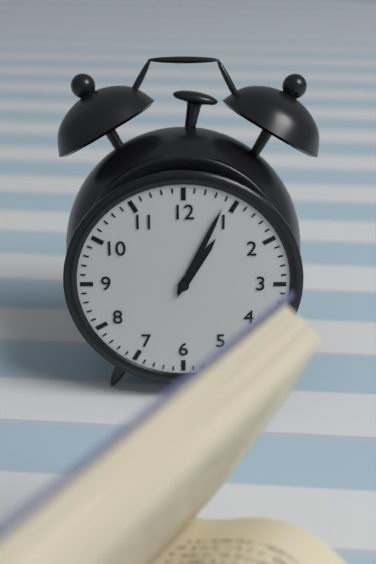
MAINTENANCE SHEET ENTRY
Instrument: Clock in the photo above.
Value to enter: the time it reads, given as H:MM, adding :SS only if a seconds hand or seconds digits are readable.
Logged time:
1:04
